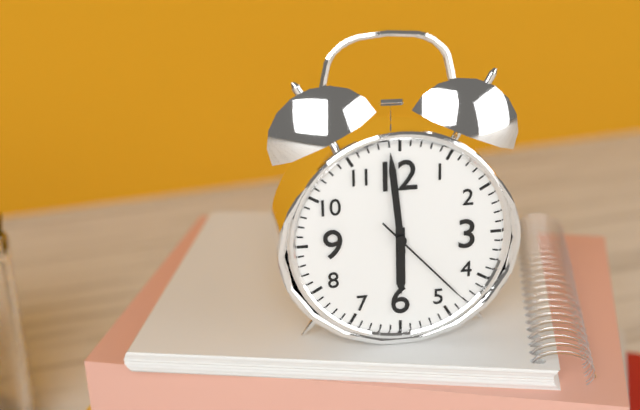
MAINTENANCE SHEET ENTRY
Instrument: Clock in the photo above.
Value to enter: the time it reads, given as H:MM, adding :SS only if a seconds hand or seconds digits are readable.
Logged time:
5:59:23
